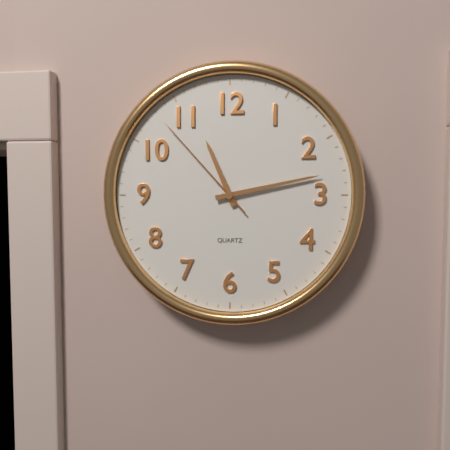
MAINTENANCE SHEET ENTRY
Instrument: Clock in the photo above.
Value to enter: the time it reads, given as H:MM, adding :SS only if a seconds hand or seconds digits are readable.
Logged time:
11:13:53
